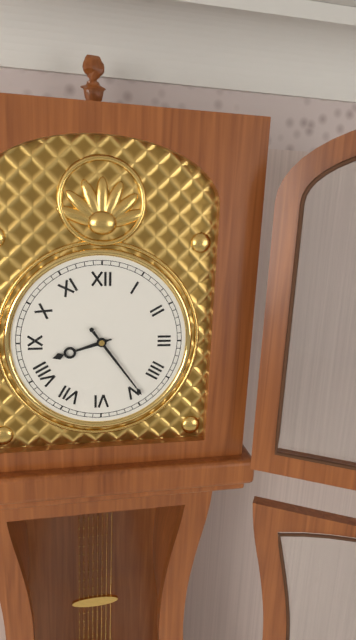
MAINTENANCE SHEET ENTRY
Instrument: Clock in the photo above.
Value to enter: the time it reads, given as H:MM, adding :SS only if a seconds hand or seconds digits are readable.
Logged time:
8:24
